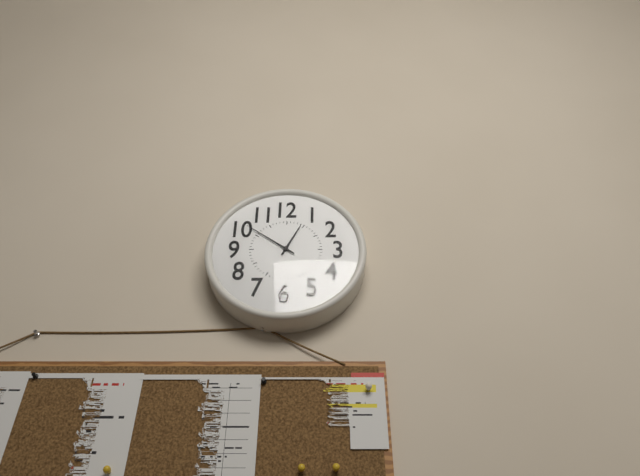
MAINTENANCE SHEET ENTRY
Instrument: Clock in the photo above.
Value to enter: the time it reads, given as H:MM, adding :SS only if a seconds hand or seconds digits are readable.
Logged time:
12:51
